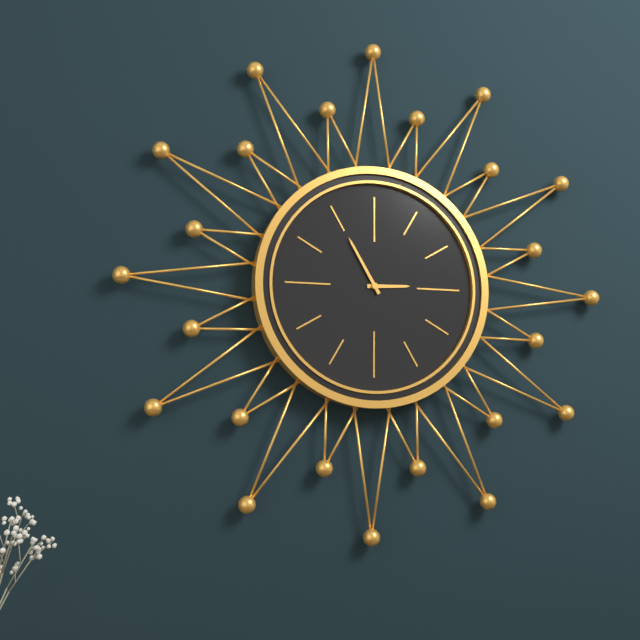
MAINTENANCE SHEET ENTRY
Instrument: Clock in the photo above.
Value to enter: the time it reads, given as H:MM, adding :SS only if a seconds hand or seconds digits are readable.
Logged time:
2:55
